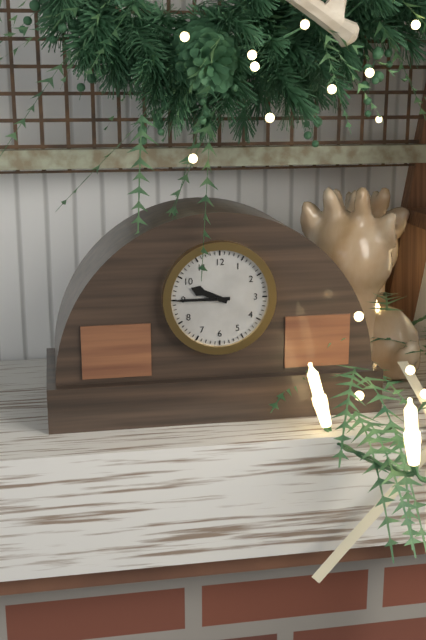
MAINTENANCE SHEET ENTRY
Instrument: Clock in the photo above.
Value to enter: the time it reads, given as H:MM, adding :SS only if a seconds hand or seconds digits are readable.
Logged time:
9:45
